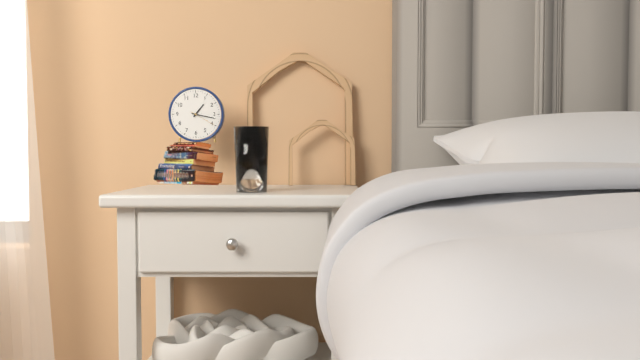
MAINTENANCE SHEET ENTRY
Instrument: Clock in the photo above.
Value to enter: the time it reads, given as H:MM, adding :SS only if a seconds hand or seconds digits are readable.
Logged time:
1:17
